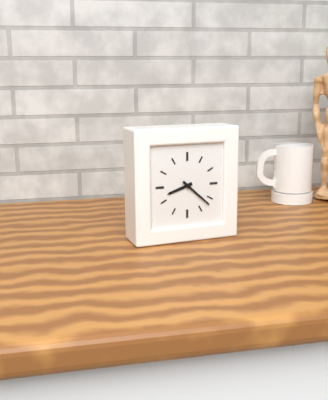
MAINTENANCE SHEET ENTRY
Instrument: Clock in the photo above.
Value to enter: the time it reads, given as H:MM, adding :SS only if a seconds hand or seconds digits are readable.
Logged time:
8:22
